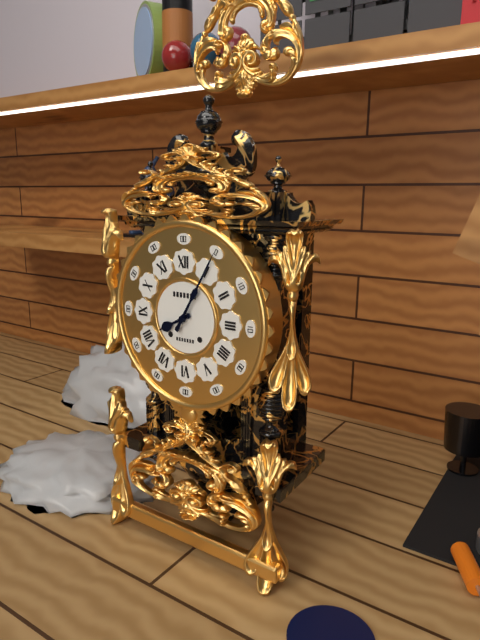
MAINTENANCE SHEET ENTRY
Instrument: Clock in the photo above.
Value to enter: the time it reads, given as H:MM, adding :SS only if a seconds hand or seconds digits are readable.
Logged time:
8:05
